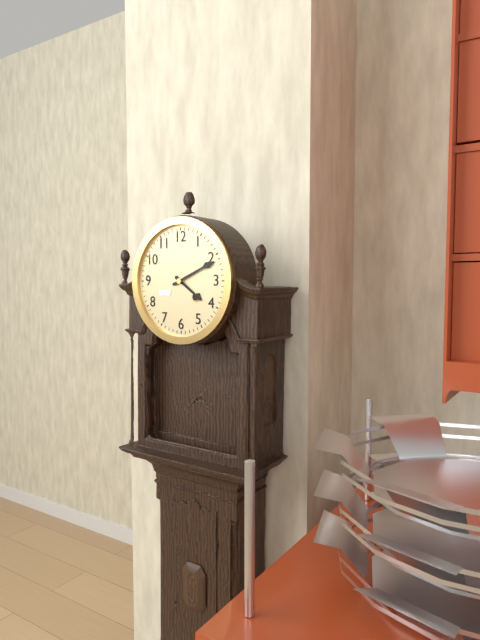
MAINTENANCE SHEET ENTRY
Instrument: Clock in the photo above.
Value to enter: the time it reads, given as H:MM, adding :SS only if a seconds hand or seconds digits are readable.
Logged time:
4:11
